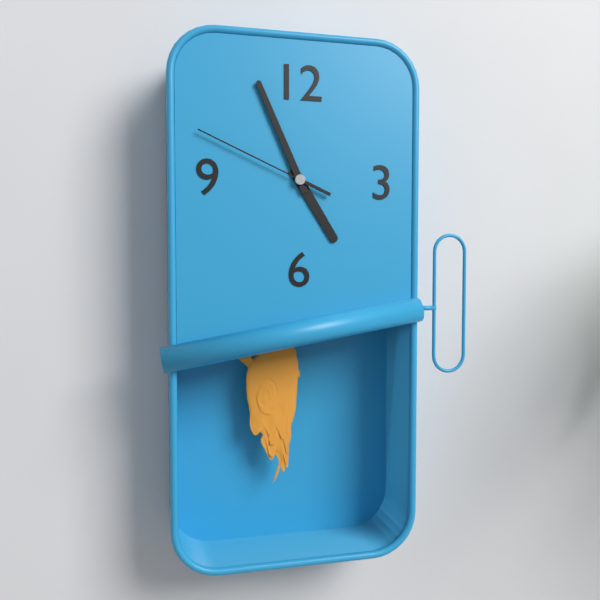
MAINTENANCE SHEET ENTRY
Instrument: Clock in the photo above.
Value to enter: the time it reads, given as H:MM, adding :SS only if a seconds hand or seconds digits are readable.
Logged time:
4:56:49
